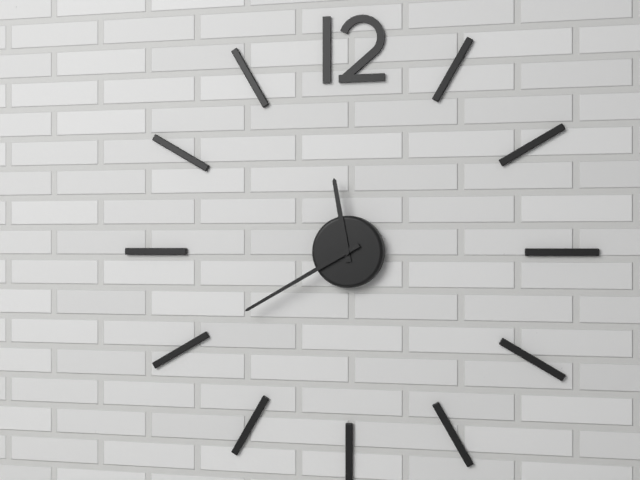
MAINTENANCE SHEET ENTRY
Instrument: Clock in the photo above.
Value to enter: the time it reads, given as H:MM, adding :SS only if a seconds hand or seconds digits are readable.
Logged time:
11:40
